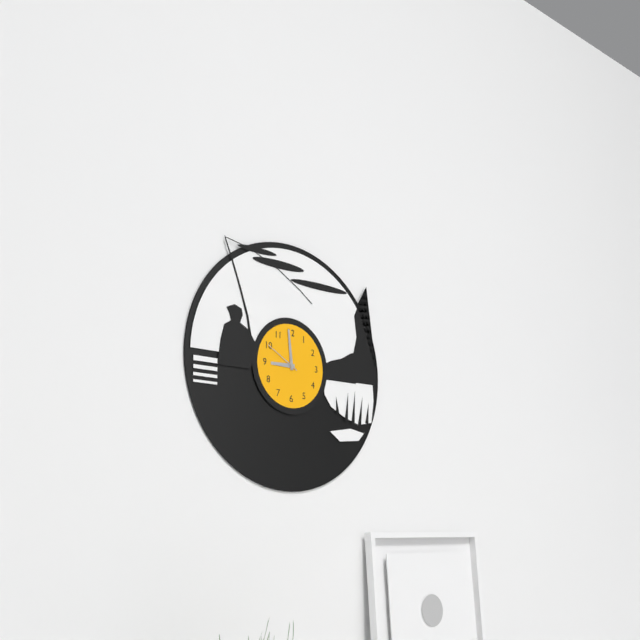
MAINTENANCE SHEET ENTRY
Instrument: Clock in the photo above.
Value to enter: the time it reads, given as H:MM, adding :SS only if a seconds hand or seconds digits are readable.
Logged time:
8:59
